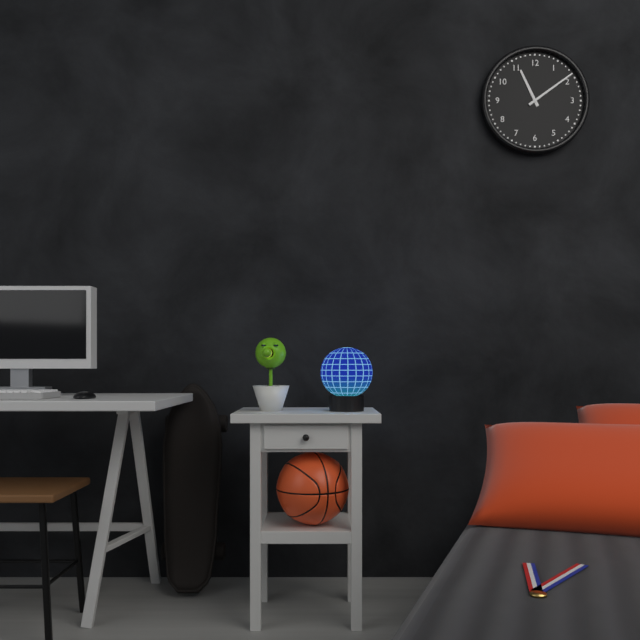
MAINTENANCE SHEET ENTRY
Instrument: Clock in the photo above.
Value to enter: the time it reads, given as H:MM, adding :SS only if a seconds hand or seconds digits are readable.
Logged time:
11:09
